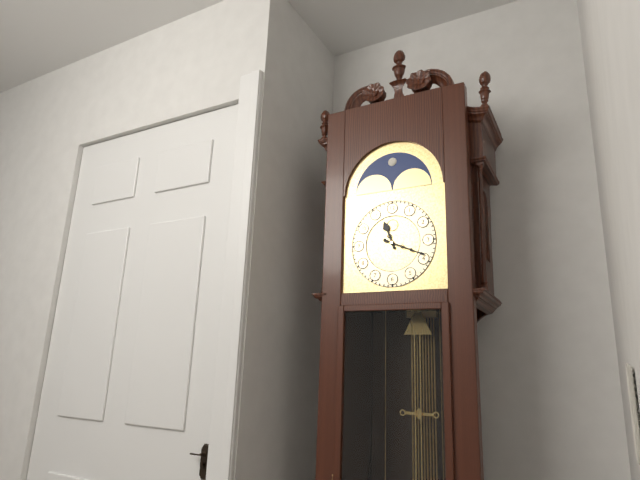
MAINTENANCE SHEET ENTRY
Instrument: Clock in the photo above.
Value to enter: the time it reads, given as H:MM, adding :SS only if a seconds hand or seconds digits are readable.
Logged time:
11:19
